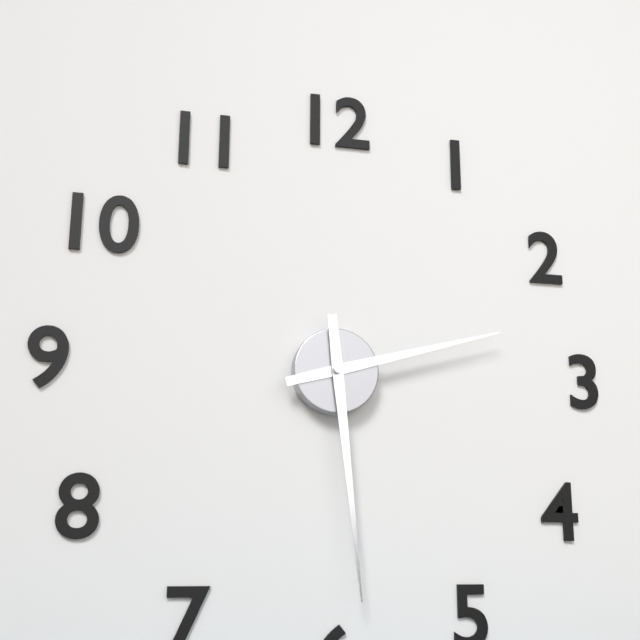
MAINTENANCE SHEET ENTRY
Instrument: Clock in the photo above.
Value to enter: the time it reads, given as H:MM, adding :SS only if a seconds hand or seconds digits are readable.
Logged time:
2:29
